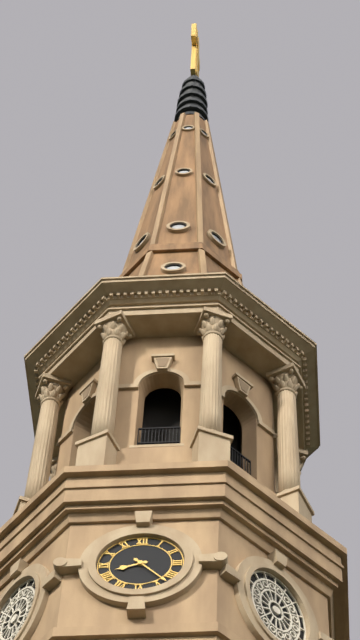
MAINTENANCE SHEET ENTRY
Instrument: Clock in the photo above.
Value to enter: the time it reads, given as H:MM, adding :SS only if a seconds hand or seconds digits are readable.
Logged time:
8:23
